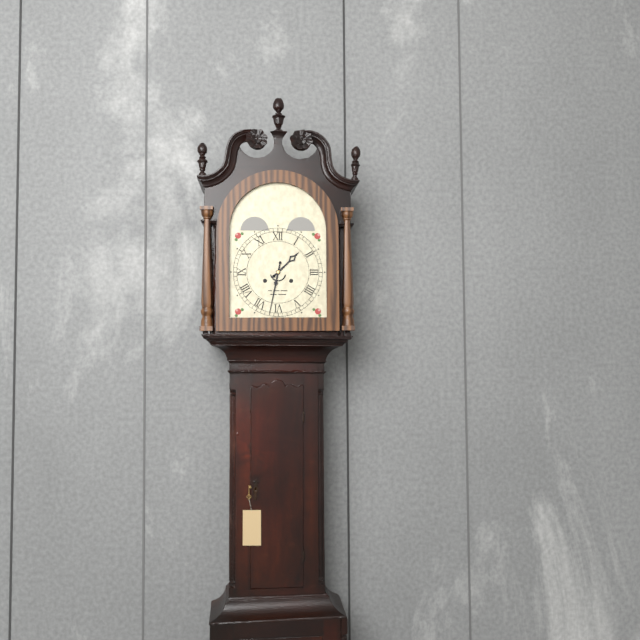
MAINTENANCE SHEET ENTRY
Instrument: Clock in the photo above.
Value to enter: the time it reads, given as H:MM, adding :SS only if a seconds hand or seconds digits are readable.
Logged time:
1:32
